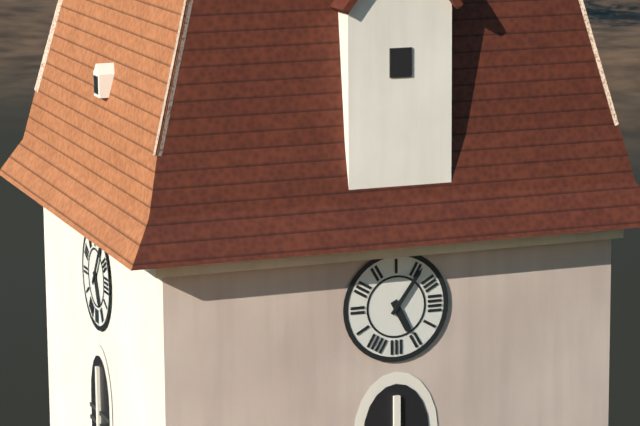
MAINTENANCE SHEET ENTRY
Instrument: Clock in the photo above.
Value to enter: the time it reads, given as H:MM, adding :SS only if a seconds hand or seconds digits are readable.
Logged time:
5:06
